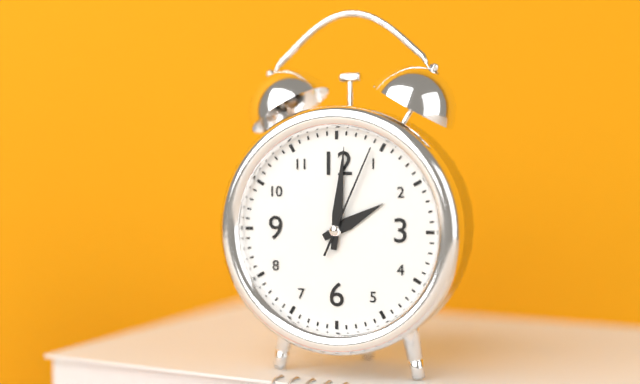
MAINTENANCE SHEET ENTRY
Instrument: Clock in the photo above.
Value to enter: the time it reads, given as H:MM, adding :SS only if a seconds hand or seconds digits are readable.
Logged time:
2:01:04
